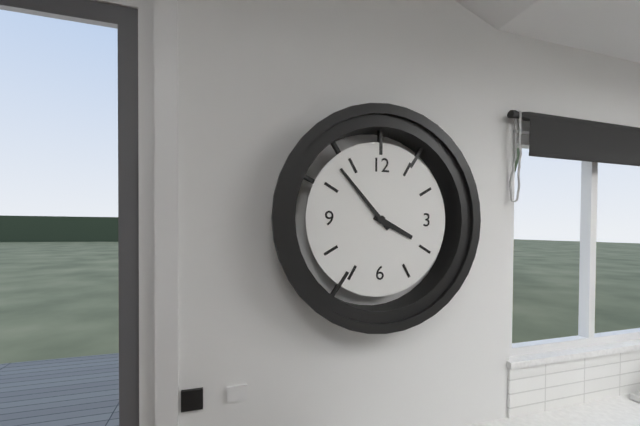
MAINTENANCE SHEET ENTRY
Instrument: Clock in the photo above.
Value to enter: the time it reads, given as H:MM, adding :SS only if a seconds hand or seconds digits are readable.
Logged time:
3:53
